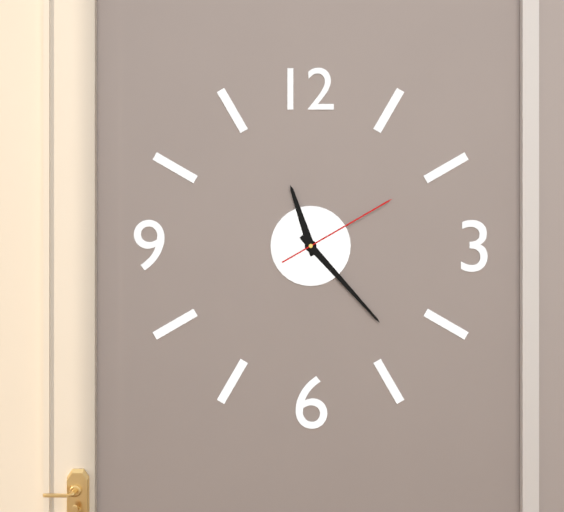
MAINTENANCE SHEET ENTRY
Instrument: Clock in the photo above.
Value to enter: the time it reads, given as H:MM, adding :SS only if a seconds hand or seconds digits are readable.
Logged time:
11:23:10
